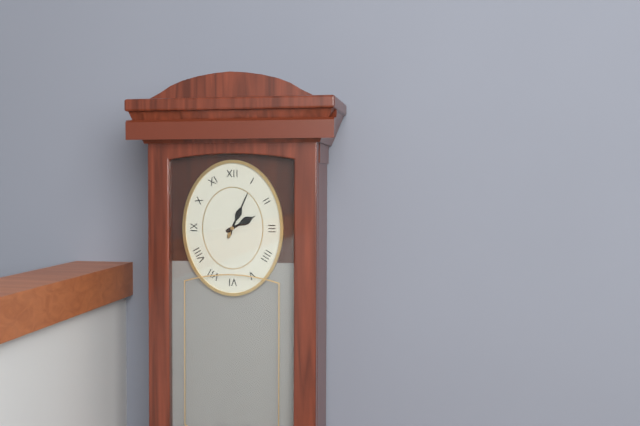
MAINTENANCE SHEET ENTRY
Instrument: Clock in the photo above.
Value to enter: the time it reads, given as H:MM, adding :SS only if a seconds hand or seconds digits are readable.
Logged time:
2:04
